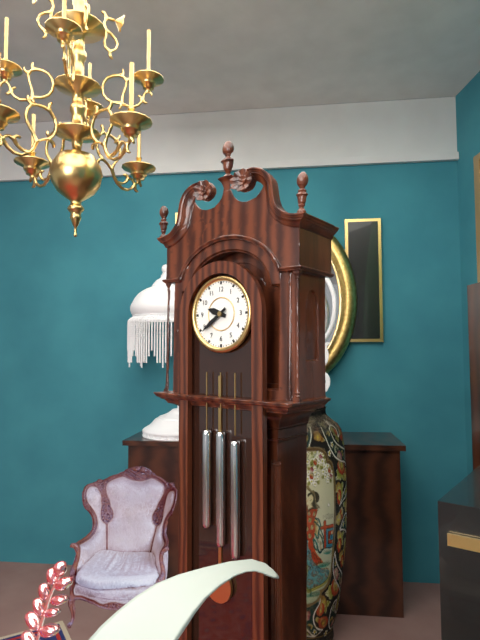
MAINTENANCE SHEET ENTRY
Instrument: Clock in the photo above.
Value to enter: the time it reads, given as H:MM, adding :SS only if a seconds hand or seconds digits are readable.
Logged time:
9:39
